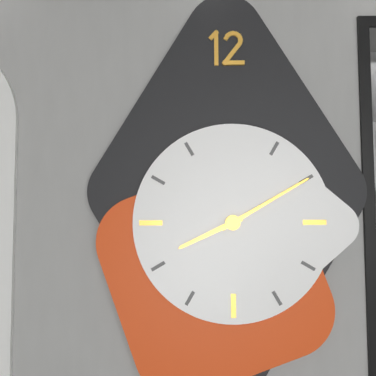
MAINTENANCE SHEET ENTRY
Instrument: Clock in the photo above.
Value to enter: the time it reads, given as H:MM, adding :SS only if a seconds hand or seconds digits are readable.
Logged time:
8:10
